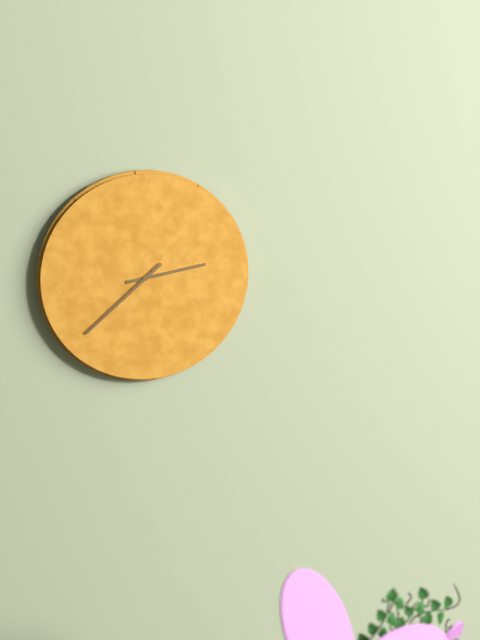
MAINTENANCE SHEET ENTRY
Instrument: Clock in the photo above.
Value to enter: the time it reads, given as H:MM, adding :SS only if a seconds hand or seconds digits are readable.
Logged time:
2:38
